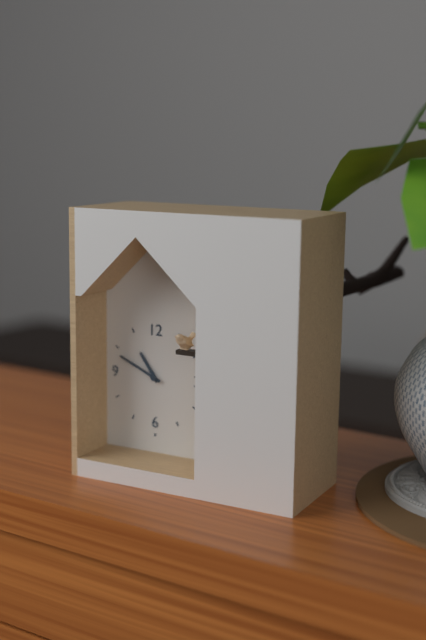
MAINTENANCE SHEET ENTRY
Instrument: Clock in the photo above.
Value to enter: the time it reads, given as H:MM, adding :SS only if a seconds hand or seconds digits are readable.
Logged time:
10:49
